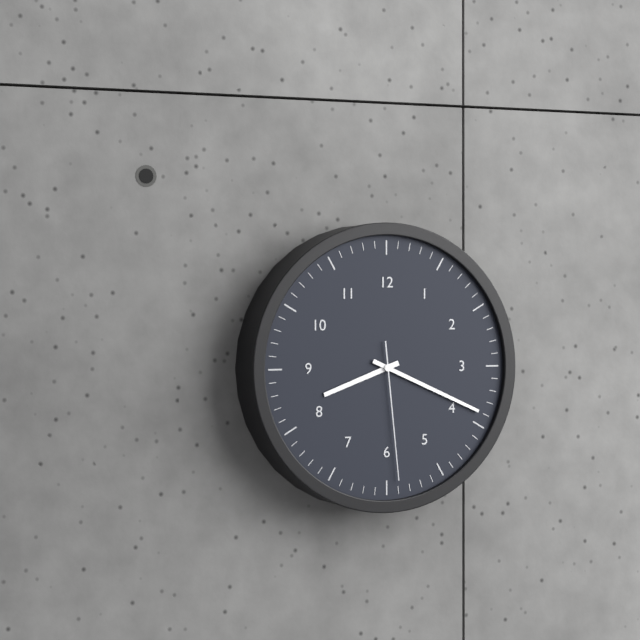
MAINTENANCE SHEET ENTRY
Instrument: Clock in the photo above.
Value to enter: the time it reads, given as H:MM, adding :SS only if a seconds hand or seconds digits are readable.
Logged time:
8:19:29
